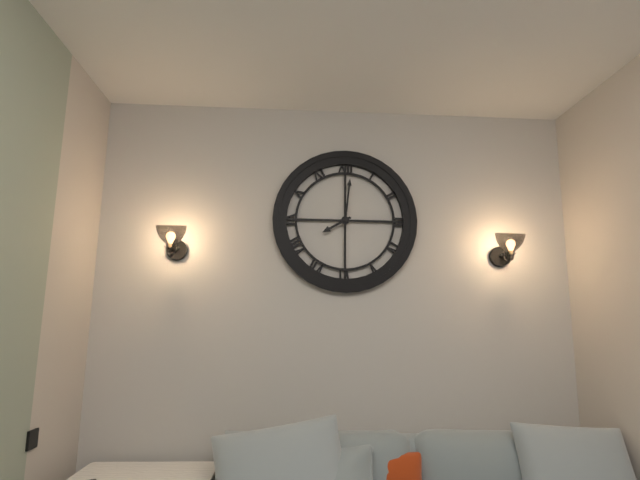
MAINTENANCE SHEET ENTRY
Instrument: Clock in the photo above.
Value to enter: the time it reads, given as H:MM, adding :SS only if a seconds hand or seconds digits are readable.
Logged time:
8:01
